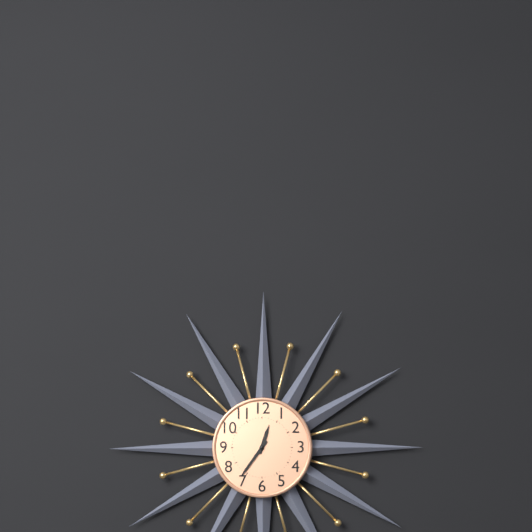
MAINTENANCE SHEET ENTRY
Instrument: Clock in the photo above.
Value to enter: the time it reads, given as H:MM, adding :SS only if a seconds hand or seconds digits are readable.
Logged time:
12:36
